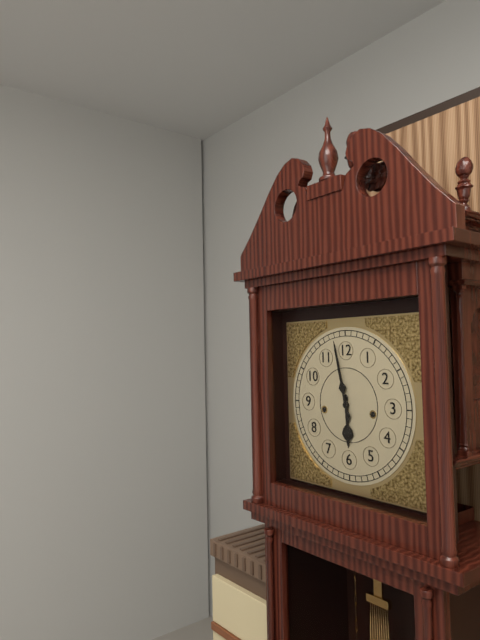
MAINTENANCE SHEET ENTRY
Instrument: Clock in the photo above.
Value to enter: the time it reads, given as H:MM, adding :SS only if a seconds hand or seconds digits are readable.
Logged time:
5:58
